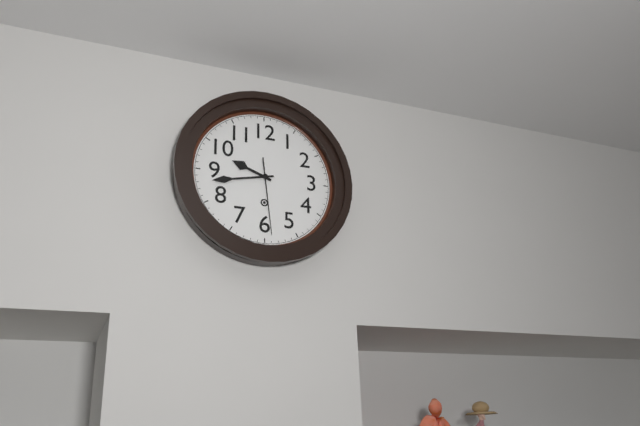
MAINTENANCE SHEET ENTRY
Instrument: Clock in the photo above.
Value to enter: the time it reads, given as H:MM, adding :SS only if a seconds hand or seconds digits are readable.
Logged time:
9:43:29
